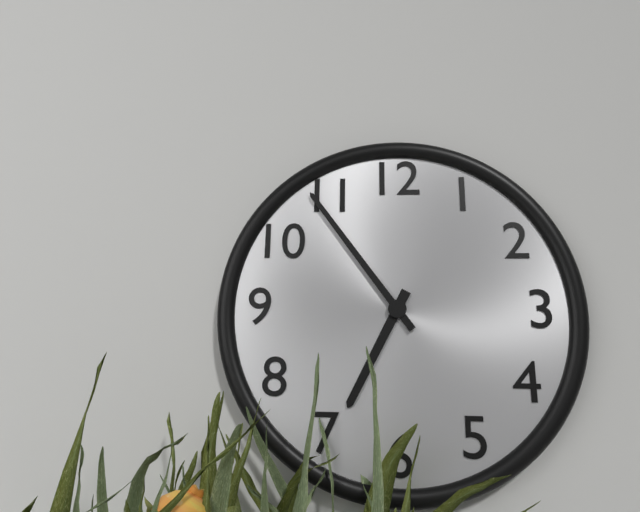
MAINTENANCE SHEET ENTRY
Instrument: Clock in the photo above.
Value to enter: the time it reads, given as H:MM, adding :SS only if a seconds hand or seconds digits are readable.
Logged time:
6:54
